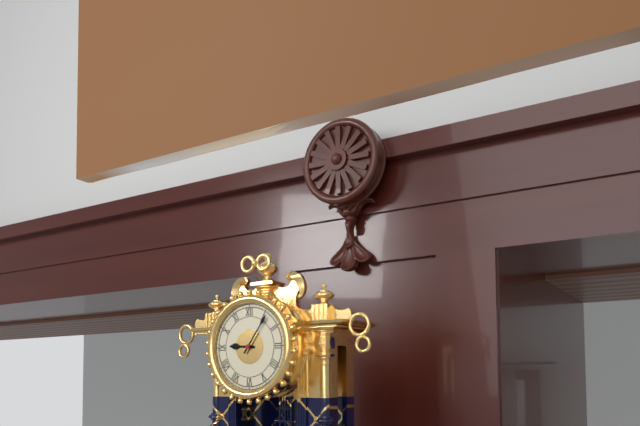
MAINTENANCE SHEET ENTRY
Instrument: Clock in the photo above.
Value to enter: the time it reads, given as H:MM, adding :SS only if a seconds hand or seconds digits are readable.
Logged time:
9:06
